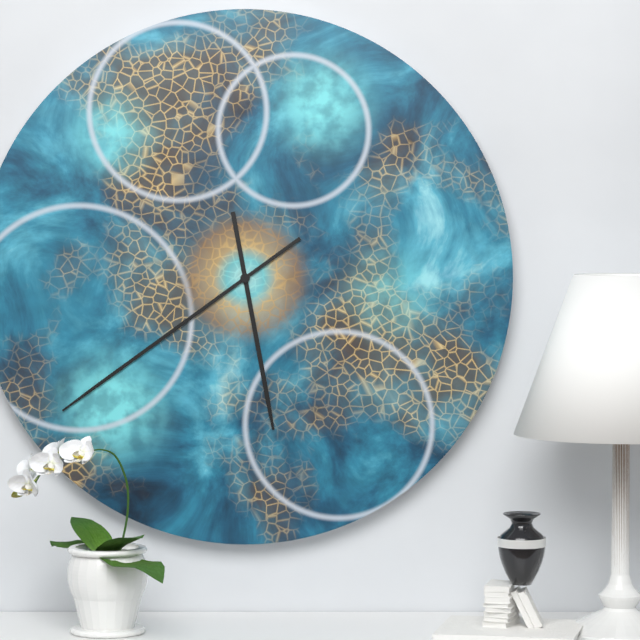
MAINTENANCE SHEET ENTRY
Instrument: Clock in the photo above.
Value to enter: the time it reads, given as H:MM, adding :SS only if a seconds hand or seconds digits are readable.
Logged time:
5:39
